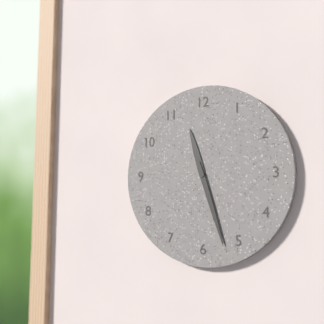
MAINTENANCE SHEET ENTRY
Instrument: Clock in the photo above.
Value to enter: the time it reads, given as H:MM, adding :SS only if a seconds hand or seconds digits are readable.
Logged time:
11:27
